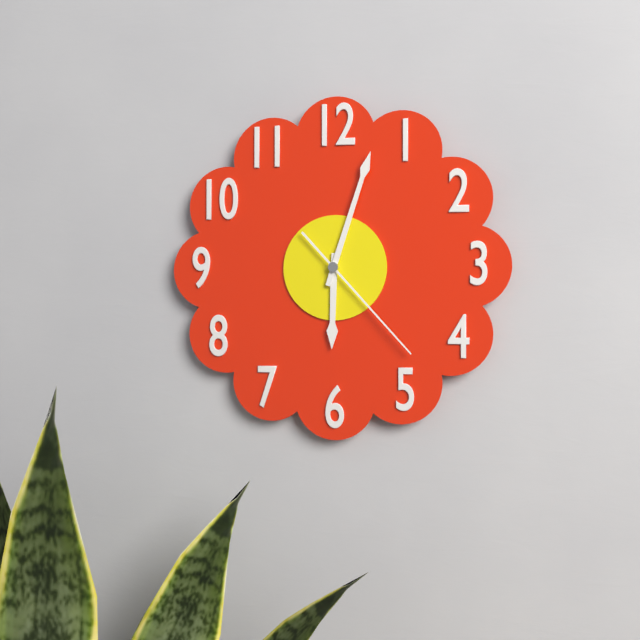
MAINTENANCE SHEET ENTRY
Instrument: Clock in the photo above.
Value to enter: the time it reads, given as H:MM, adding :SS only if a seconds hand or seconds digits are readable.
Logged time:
6:03:23
